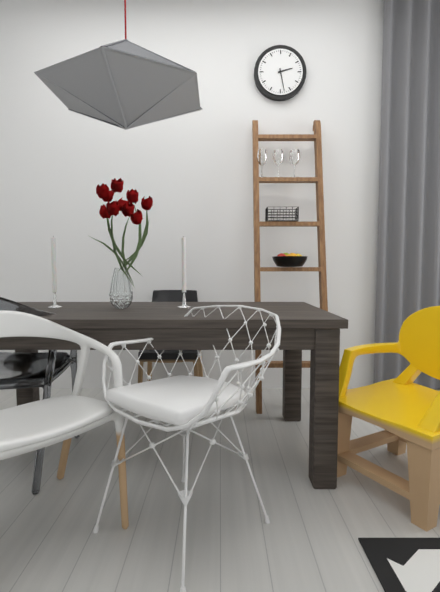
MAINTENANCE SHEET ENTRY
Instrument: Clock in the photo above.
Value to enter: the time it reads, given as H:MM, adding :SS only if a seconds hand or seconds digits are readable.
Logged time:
2:28
